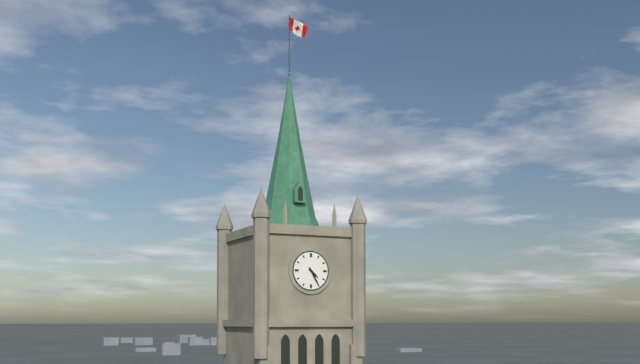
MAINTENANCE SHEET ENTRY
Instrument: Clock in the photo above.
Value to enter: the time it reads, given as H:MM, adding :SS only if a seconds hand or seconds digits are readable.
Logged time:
4:25
